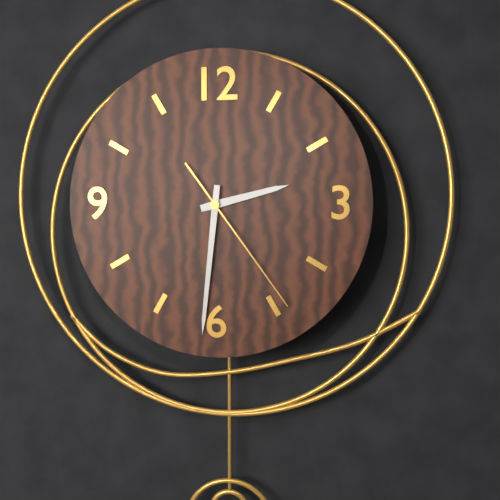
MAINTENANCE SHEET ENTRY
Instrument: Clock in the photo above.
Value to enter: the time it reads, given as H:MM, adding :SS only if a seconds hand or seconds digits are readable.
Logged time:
2:31:24
